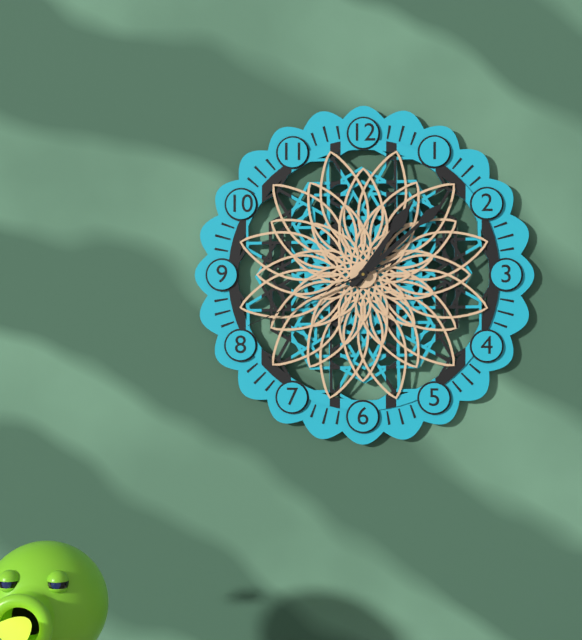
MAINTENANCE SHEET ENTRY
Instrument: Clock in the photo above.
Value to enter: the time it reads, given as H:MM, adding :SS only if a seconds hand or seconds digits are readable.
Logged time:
1:08:41
